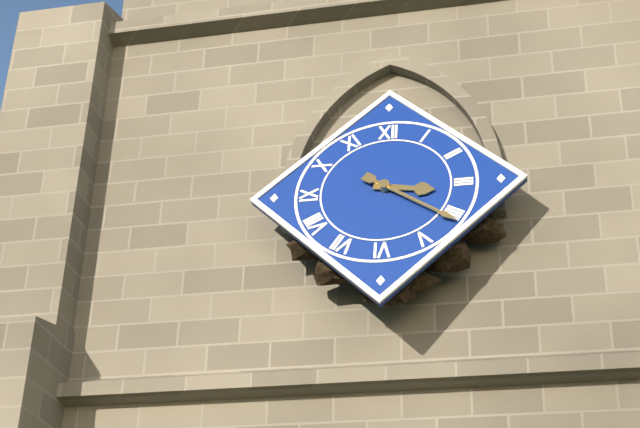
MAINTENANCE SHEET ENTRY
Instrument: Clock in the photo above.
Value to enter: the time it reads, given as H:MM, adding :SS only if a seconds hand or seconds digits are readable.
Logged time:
3:21
